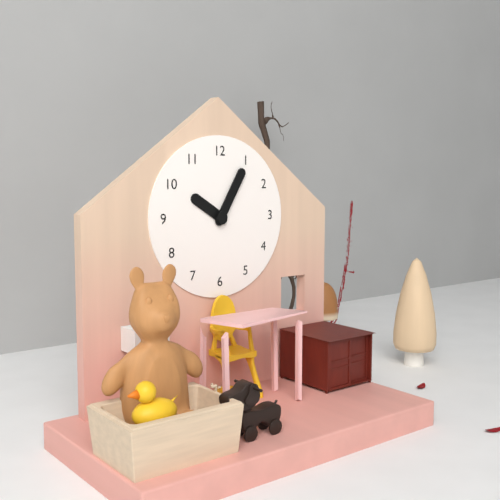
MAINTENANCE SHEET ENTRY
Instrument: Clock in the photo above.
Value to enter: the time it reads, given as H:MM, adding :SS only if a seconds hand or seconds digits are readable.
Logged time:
10:05
